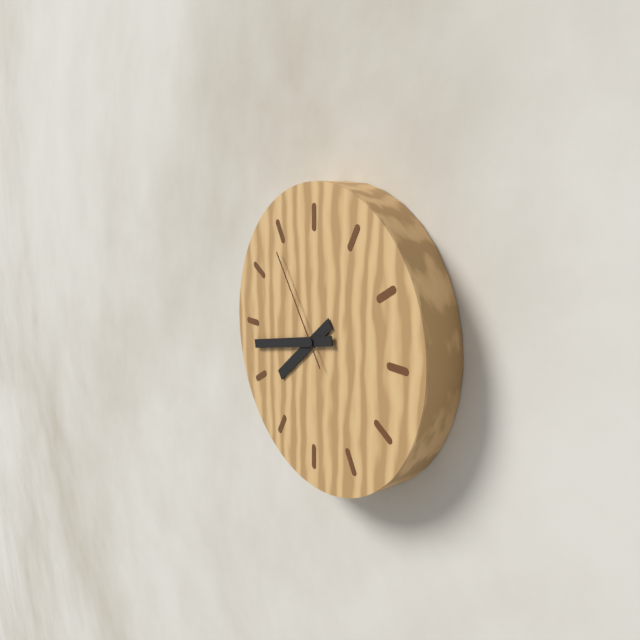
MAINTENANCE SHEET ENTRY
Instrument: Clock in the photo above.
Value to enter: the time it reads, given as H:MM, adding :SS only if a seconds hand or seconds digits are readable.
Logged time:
7:43:54
